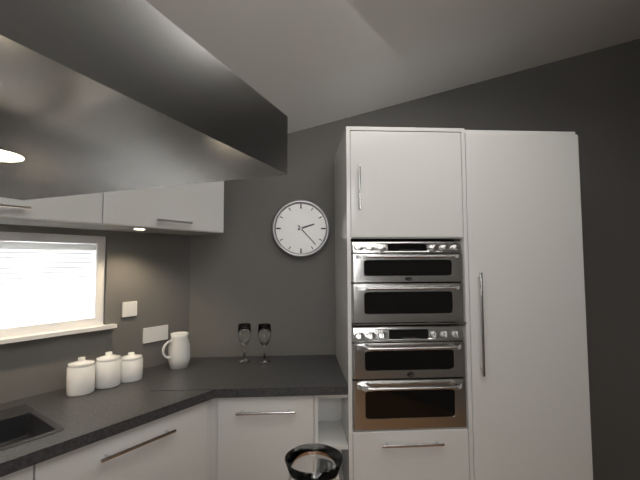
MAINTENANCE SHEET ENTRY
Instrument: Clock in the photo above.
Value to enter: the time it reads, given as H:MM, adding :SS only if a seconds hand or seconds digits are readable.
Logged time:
2:23
